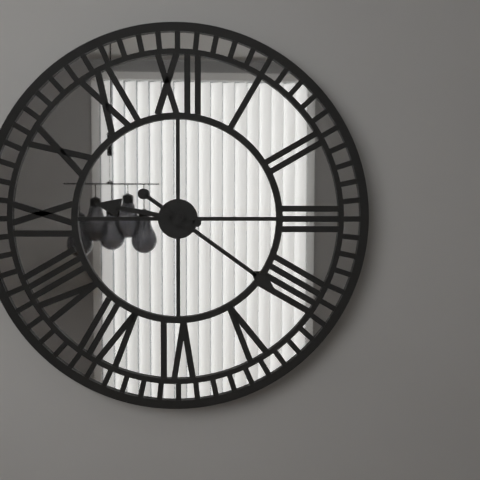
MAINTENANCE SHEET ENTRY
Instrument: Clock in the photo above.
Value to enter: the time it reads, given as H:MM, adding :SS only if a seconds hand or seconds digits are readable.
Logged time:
9:21
